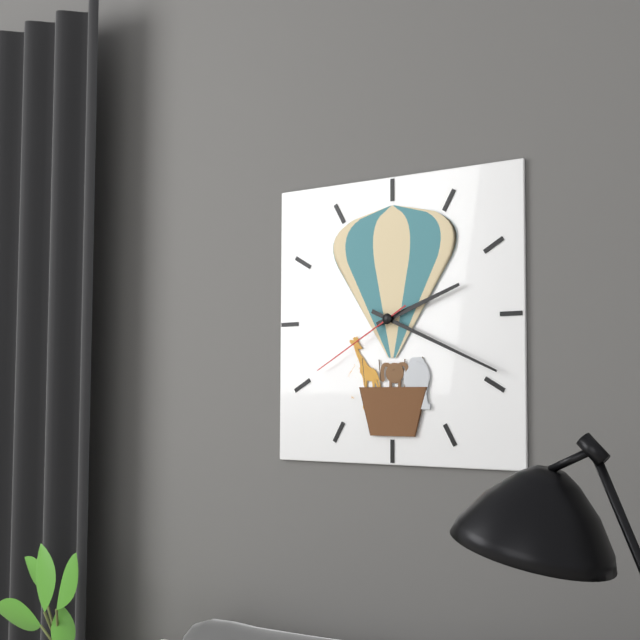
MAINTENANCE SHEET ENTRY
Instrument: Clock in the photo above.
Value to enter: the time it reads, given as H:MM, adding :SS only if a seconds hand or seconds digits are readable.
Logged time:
2:19:40
